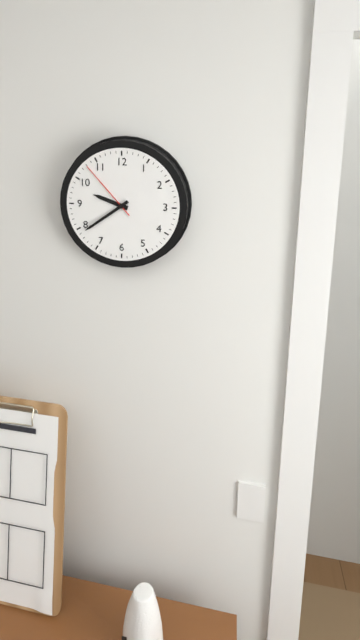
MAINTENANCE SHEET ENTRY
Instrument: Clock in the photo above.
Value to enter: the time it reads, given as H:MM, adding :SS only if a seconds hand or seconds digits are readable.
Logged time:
9:39:53
